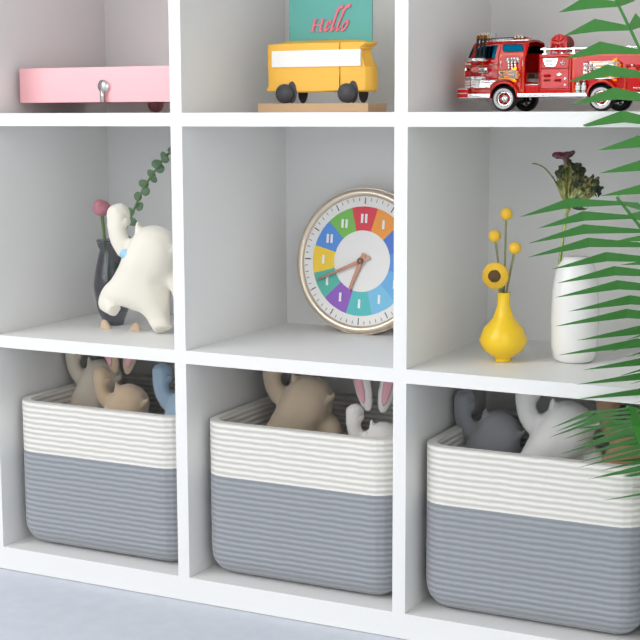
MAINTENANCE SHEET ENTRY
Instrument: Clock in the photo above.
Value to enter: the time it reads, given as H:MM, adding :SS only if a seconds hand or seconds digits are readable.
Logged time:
6:41
